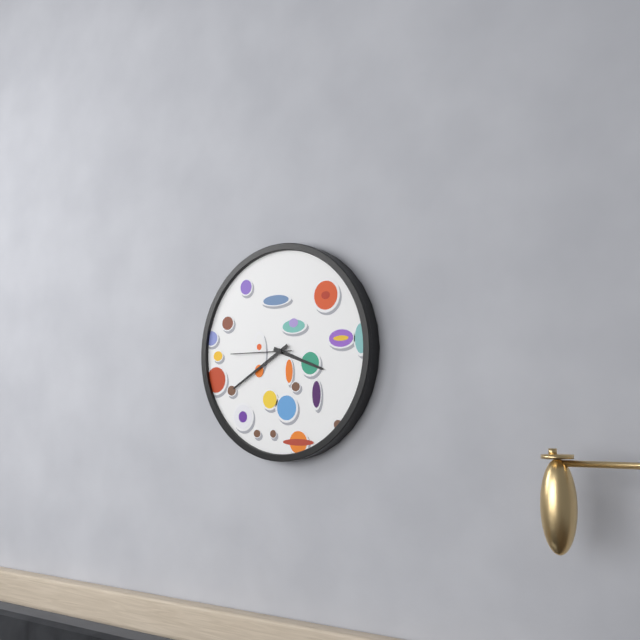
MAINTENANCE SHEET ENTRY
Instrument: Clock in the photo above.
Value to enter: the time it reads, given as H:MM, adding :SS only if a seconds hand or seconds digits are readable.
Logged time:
3:40:45
